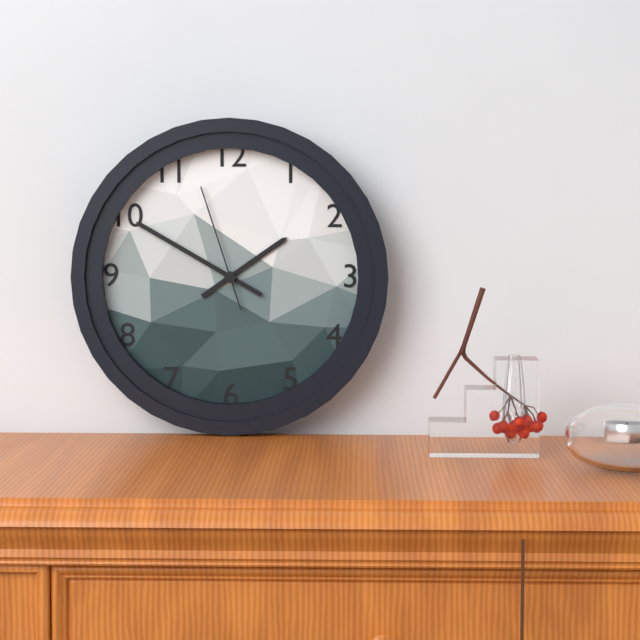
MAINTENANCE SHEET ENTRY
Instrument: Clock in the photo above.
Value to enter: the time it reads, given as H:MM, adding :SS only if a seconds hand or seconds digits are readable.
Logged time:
1:50:57
